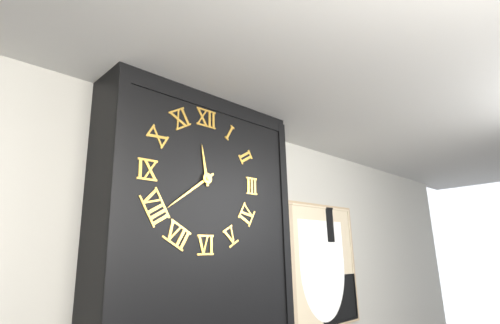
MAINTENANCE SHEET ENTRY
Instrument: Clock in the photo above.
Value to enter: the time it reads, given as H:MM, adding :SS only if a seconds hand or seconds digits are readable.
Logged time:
11:39
